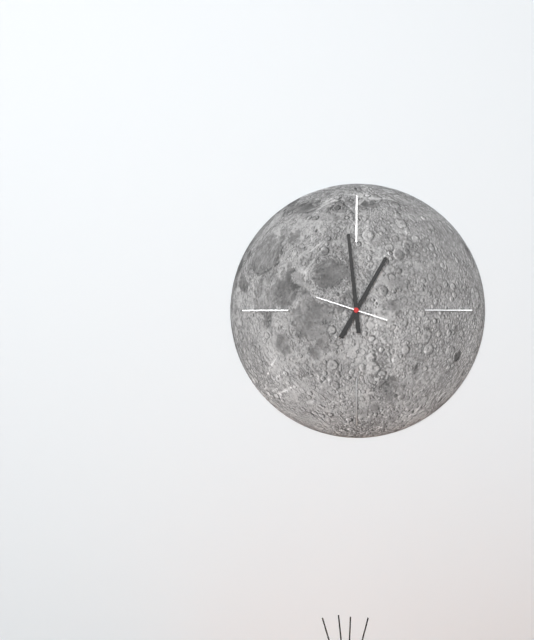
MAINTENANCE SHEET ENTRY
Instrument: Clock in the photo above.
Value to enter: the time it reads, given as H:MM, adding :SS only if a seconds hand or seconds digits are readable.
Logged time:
12:59:48
